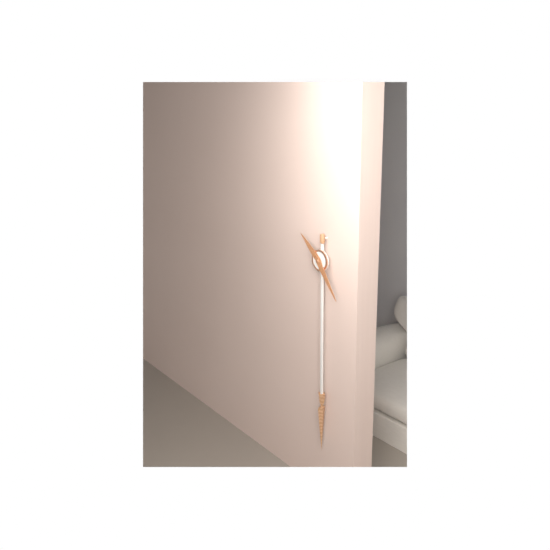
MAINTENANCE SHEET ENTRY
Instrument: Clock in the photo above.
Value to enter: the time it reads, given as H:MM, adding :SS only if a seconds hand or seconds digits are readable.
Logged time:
10:24
